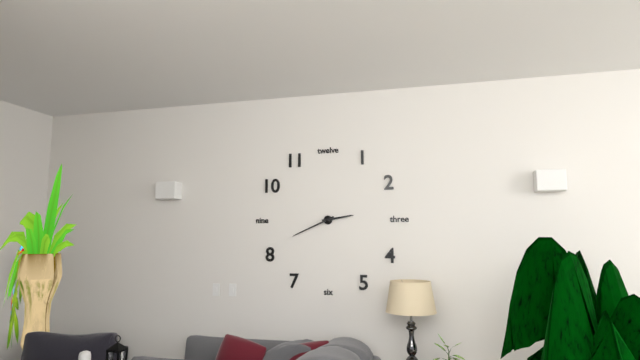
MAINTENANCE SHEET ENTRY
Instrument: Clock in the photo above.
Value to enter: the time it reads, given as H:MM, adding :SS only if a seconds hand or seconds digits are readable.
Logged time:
2:41
